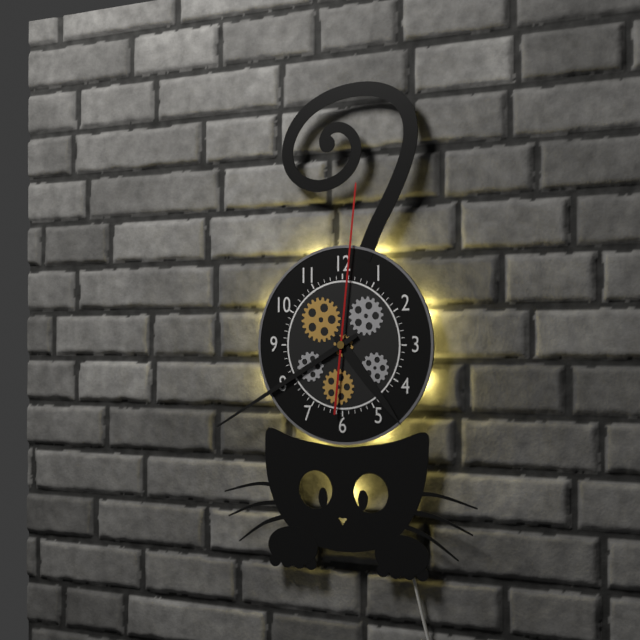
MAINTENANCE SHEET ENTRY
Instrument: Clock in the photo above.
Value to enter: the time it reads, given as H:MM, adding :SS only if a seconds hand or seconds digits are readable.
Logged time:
4:40:01
